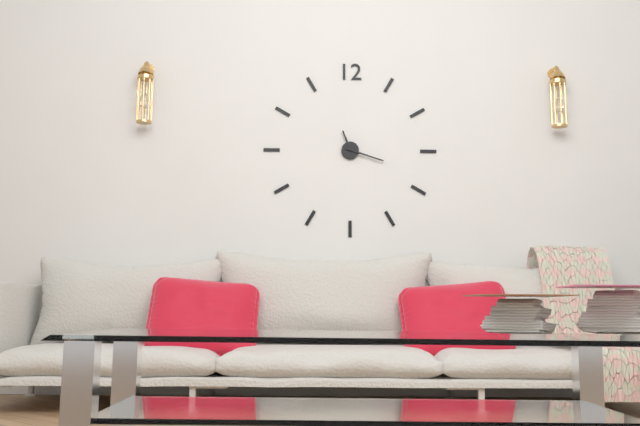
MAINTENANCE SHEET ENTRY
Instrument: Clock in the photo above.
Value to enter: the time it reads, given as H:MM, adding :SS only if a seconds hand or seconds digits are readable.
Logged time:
11:18
